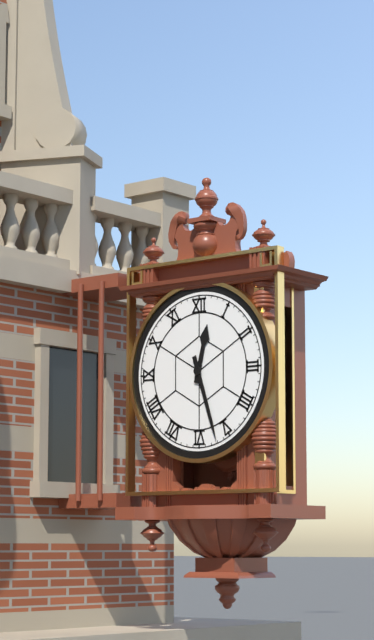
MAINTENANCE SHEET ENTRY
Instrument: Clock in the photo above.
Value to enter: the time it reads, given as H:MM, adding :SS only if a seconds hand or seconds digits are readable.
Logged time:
12:27
